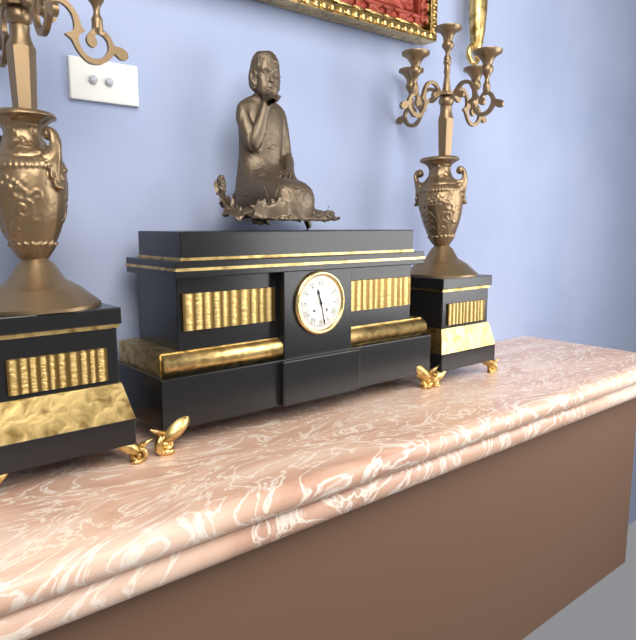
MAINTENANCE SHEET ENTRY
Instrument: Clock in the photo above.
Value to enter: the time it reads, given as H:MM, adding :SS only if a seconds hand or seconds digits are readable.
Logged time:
11:28
